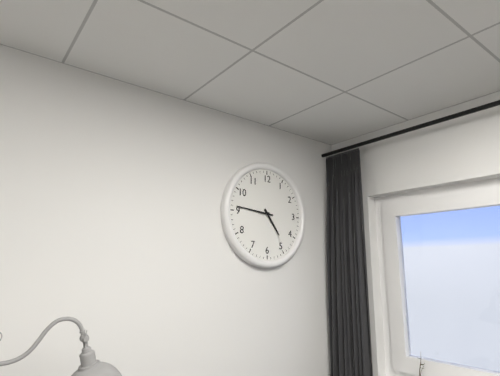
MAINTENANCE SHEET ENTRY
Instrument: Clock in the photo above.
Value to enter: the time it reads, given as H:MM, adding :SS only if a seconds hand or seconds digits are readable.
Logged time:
4:46
